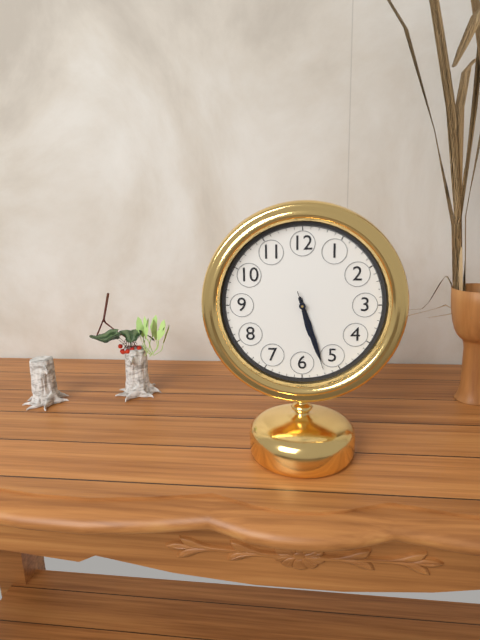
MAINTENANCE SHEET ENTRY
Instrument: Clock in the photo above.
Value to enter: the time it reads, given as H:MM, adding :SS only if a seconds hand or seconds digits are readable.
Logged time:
5:27:27
